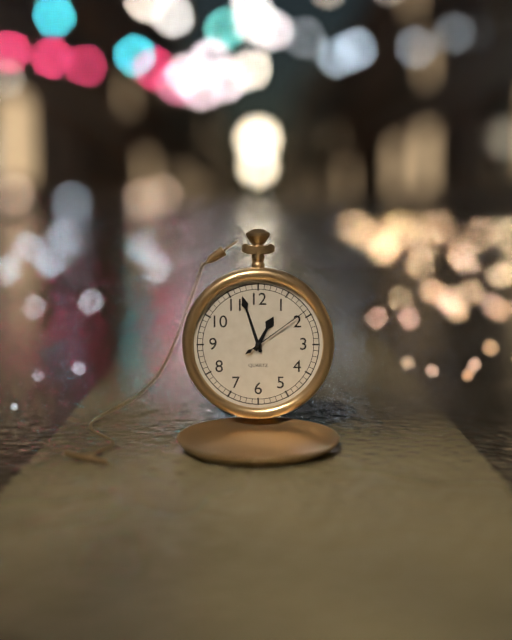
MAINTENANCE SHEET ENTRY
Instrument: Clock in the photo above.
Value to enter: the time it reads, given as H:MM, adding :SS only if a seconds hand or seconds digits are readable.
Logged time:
12:57:09
